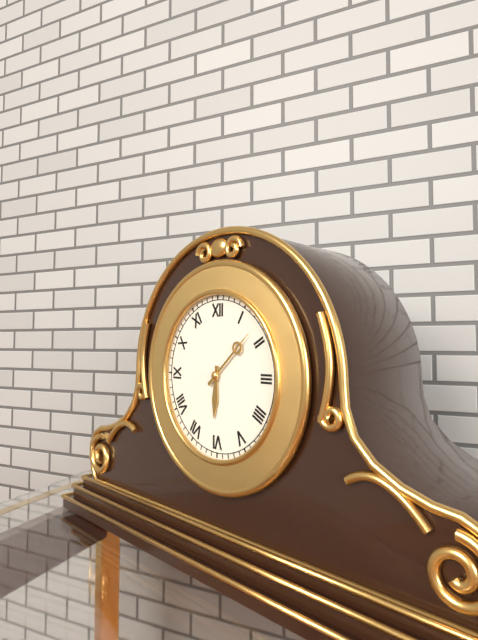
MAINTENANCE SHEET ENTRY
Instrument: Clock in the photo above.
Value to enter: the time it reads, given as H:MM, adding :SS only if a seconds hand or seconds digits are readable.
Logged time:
6:08
